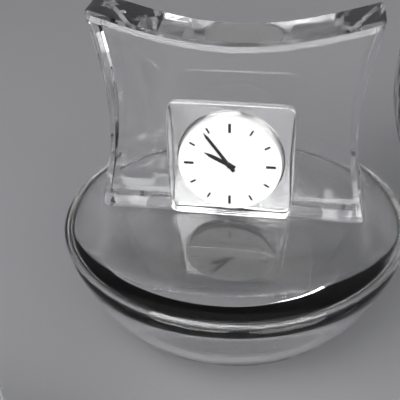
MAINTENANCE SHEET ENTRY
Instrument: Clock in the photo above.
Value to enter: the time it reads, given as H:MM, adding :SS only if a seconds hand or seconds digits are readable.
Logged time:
9:54
